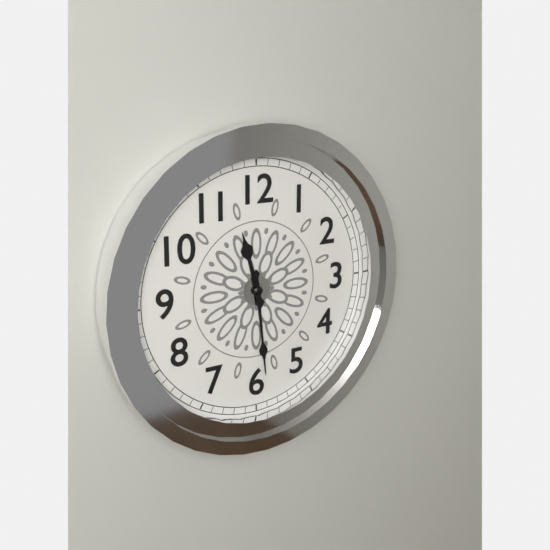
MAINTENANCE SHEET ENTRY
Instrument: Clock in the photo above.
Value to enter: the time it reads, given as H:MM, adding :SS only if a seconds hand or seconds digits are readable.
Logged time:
11:29
